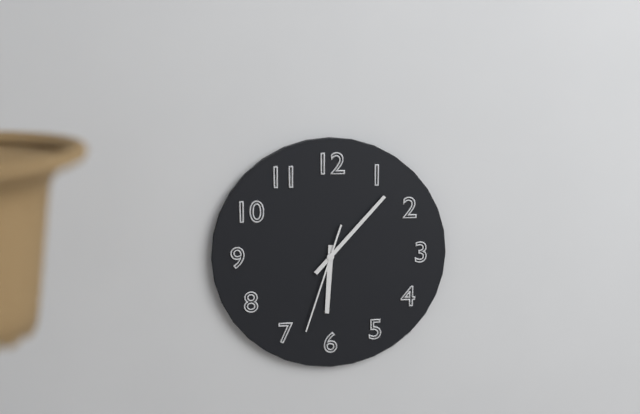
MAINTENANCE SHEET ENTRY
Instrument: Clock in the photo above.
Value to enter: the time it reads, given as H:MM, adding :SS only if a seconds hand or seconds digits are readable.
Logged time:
6:07:33
